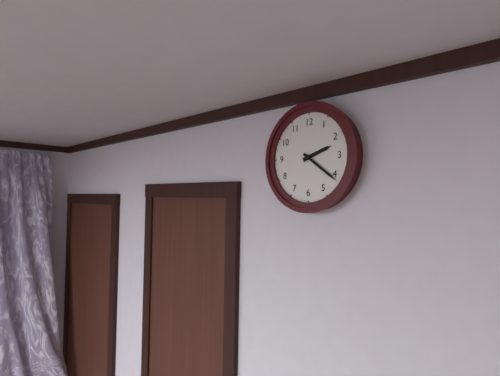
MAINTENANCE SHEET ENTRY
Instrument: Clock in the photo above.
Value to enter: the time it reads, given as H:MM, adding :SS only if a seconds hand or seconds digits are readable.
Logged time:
2:21
